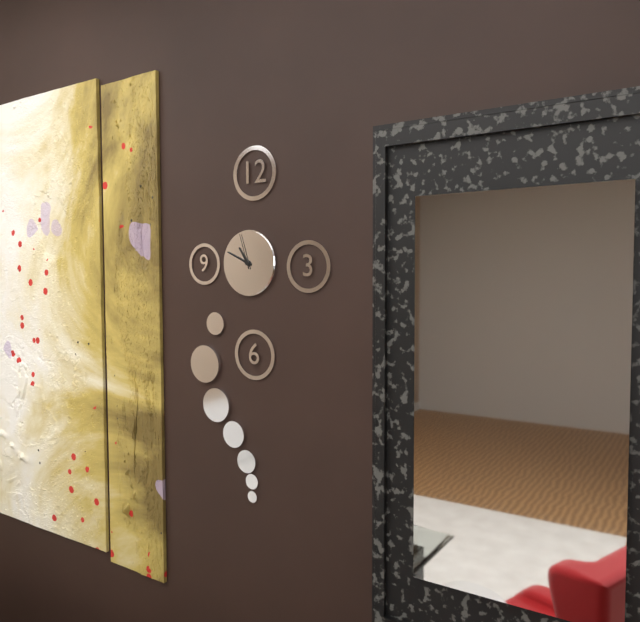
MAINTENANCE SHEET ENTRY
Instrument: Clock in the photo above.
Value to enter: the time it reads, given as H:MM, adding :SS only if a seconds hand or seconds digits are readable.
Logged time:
10:49
